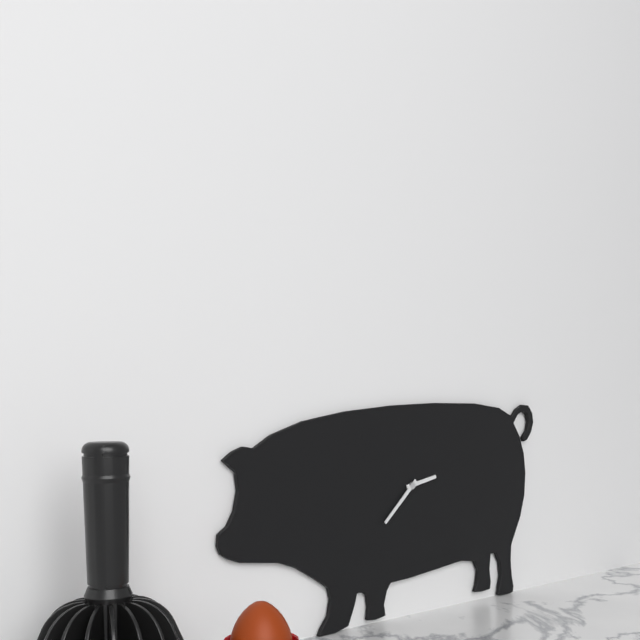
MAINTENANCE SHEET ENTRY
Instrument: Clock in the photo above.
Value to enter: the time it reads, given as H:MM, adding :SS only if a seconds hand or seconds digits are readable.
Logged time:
2:38
